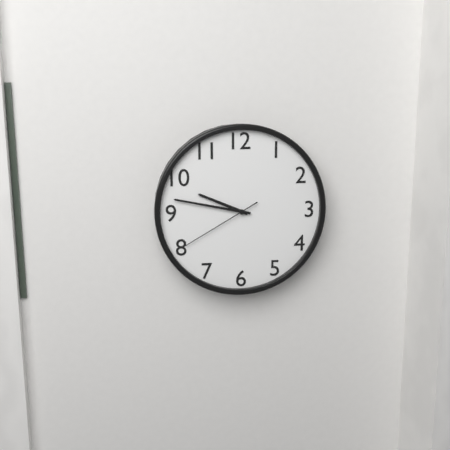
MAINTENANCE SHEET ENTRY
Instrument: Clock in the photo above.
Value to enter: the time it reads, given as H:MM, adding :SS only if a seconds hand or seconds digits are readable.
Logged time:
9:47:40
